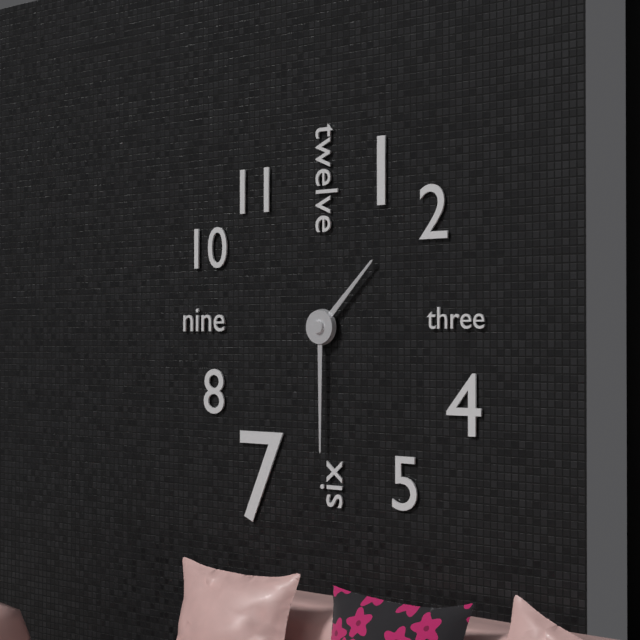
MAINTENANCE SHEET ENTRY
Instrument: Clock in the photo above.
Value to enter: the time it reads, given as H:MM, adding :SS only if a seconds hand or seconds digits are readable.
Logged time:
1:30
